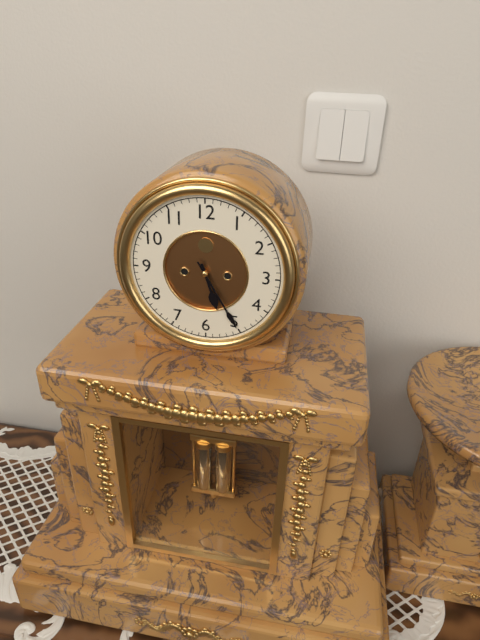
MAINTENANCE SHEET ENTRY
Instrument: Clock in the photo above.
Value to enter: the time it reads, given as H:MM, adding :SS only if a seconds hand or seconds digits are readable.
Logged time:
5:25
